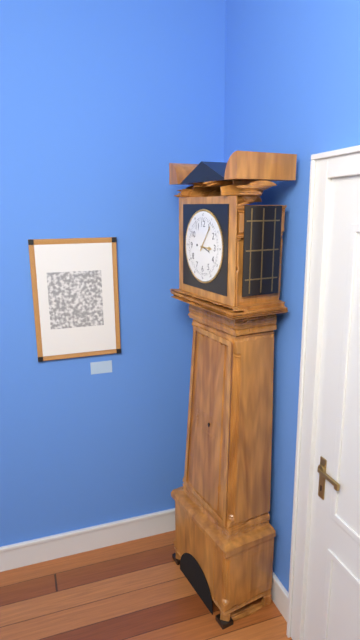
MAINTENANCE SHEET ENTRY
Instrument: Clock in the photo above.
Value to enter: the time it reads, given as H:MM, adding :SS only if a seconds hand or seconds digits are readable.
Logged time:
3:06
